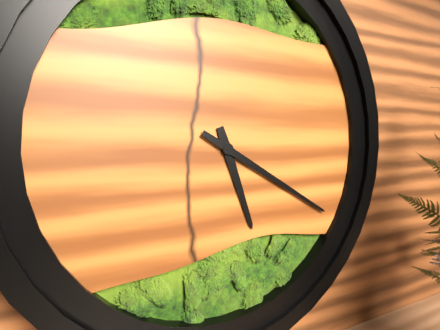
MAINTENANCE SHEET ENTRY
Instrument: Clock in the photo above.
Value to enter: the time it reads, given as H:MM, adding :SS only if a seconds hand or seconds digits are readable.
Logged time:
5:20
